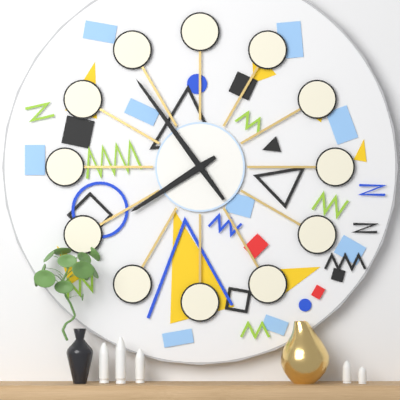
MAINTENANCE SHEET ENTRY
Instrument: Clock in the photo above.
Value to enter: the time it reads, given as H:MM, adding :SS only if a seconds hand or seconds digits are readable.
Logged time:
7:54
